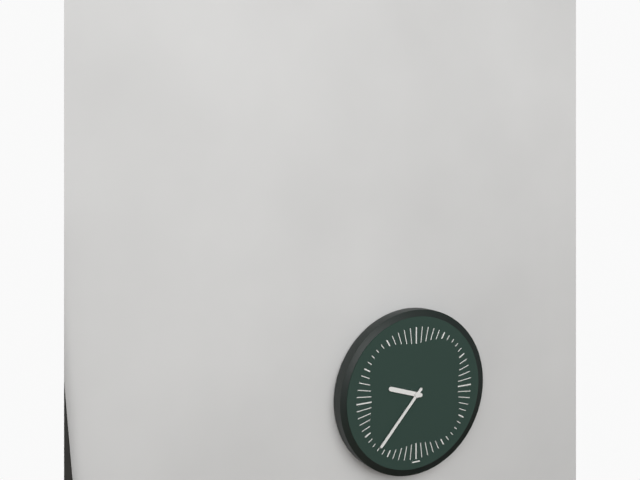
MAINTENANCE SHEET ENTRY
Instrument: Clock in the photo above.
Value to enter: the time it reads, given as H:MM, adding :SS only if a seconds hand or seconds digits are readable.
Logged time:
9:37
